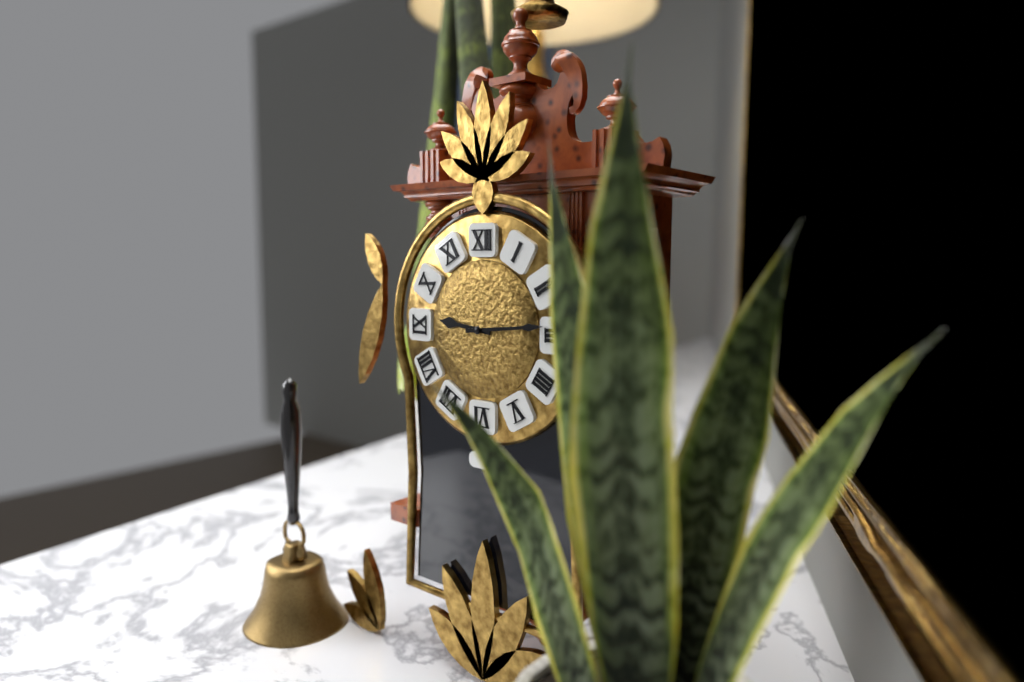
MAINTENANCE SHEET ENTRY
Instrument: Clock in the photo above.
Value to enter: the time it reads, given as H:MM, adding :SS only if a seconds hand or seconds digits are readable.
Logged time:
9:14
